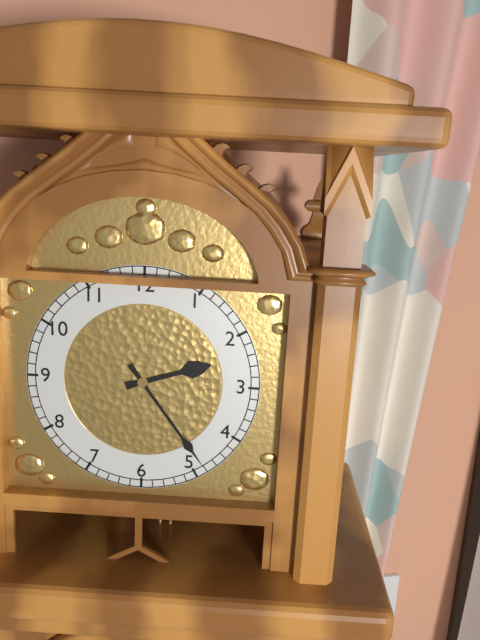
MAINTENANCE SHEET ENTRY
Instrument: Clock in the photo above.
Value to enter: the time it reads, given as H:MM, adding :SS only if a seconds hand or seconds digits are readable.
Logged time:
2:24
